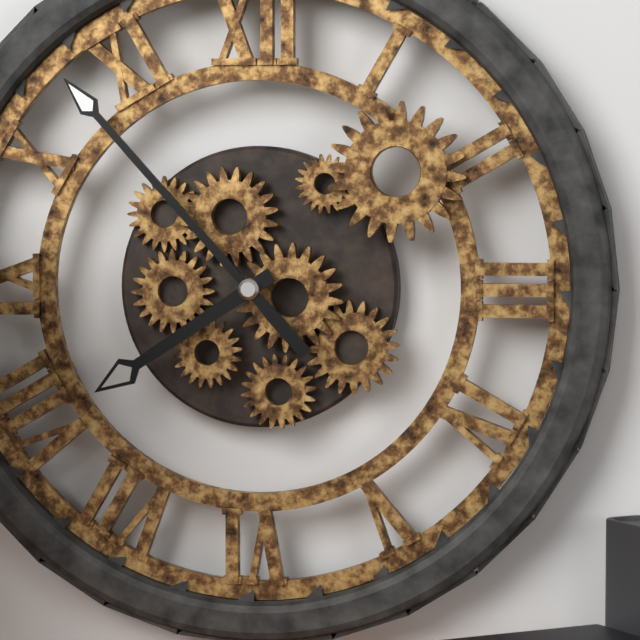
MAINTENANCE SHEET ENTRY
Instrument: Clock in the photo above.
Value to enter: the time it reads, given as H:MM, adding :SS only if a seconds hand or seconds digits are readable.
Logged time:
7:53
